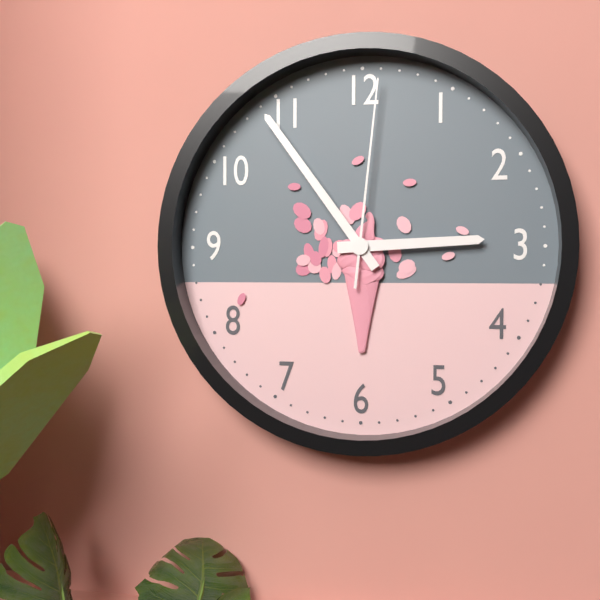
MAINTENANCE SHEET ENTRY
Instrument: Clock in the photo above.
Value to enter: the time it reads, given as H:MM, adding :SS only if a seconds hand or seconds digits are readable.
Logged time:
2:54:01
